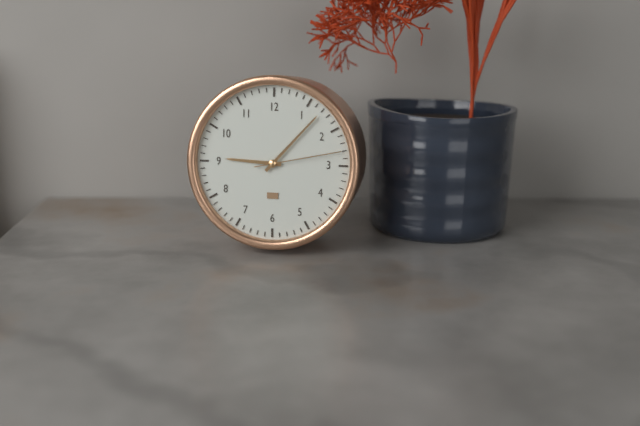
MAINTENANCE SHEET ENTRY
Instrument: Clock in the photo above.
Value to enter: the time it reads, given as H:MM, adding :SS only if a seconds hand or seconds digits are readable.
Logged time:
9:07:13
